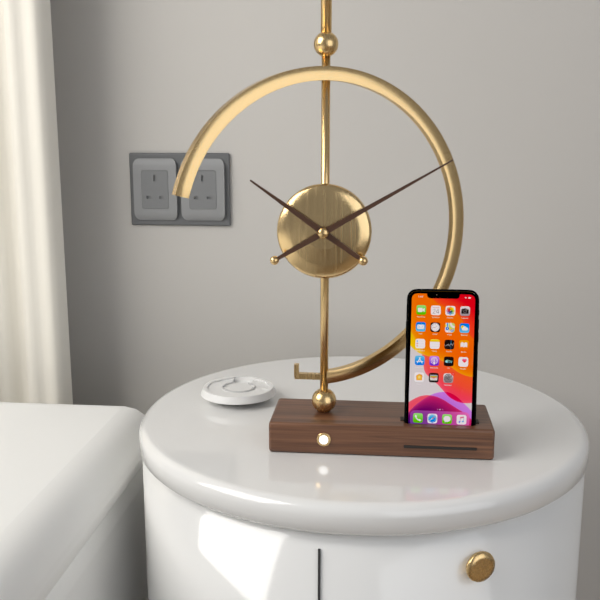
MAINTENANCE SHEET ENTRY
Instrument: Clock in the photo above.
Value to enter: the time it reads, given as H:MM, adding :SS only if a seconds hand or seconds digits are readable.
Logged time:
10:10
